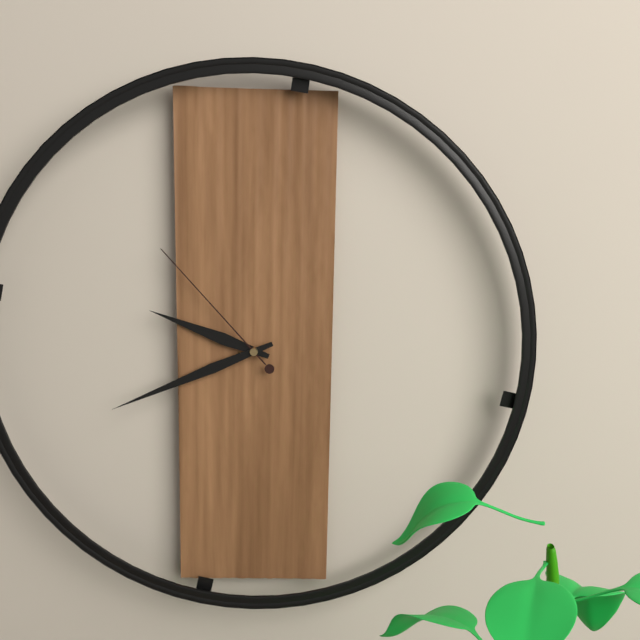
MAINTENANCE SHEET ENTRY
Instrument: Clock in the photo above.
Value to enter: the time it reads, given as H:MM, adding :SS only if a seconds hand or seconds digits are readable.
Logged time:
9:41:53
